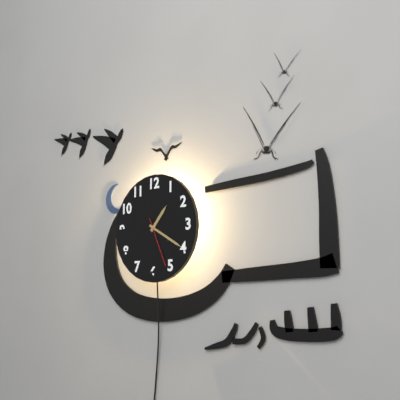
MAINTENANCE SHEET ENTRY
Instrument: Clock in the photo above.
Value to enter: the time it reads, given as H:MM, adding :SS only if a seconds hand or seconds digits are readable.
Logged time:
1:20
